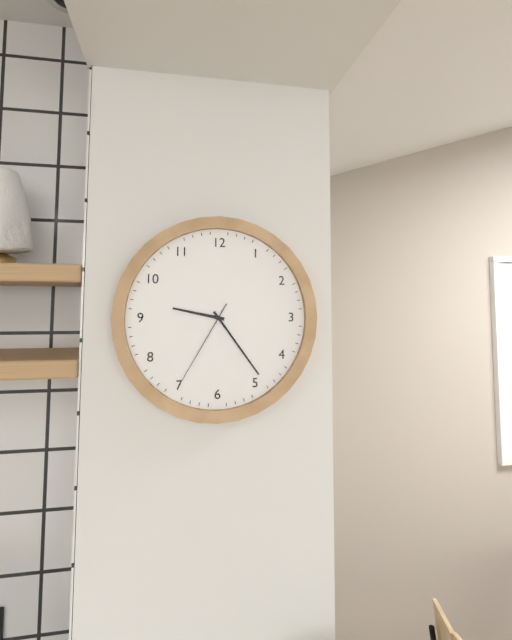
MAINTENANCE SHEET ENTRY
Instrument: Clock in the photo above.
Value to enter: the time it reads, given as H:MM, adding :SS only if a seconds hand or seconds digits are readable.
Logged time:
9:24:35
